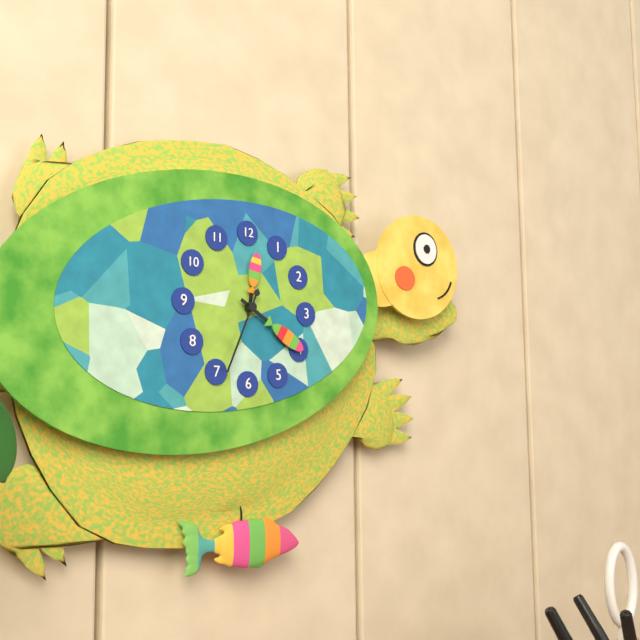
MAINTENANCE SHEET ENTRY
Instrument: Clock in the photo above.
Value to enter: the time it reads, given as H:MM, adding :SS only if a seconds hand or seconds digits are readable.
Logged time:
12:20:34
